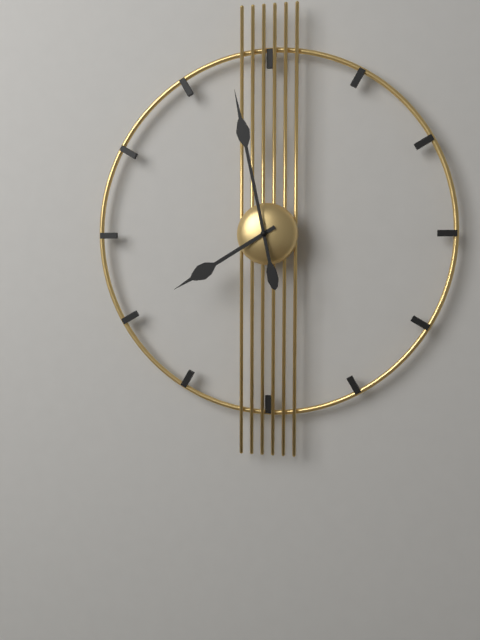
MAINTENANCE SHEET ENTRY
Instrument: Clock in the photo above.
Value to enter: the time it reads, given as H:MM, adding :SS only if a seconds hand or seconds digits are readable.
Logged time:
7:58
